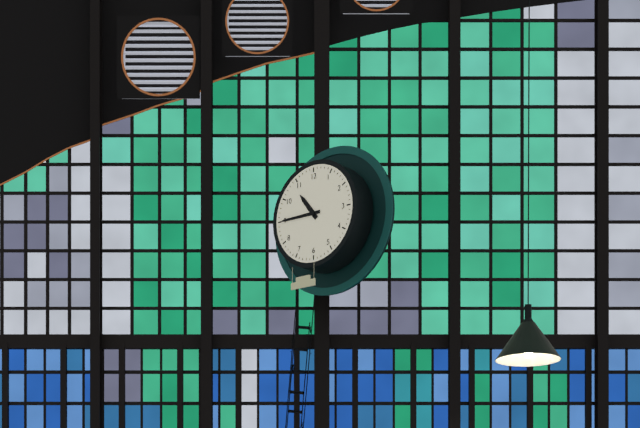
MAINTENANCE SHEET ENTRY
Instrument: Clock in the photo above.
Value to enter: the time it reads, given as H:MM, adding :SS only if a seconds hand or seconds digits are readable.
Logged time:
10:45
